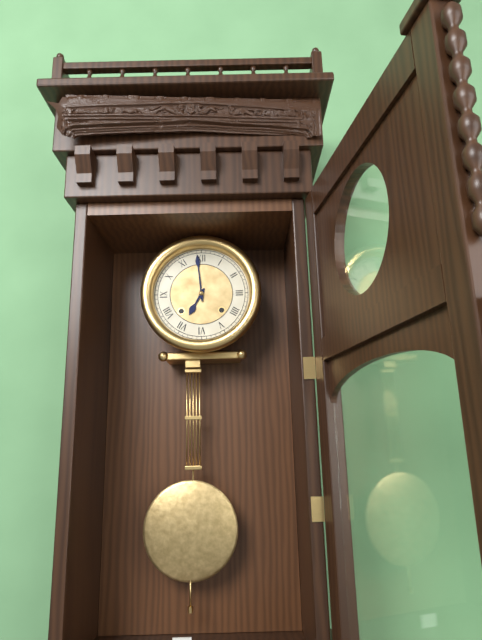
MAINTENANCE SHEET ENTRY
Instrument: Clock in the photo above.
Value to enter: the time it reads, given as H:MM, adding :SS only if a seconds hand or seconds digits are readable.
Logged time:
6:59
